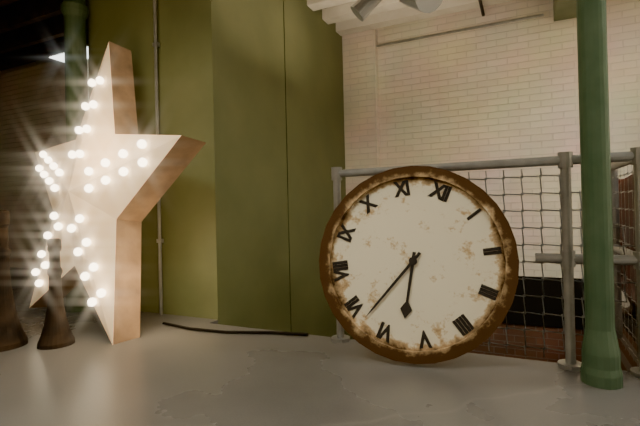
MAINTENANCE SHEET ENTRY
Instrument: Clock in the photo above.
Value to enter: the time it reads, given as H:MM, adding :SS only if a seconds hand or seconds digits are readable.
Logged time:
5:33
